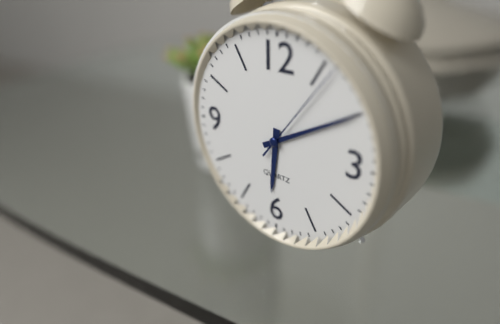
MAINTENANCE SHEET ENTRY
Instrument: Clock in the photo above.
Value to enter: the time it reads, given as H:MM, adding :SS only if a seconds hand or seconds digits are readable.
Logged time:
6:10:06
